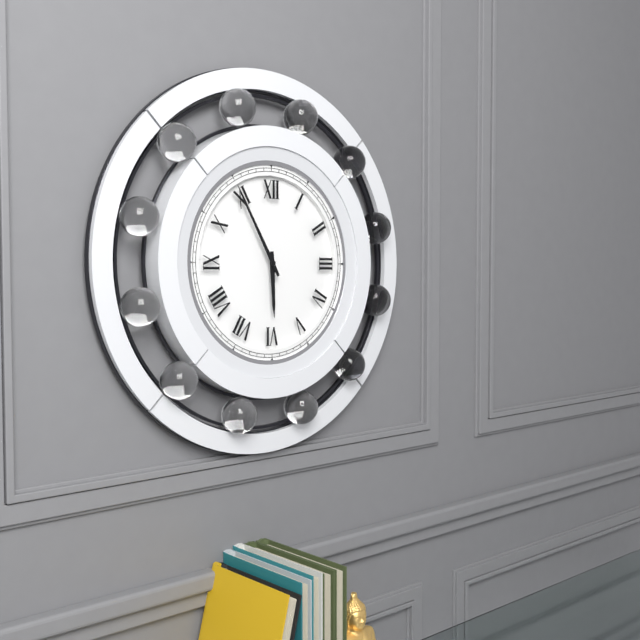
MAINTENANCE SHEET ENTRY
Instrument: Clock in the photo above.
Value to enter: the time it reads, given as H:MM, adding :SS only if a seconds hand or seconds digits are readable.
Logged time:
5:55
